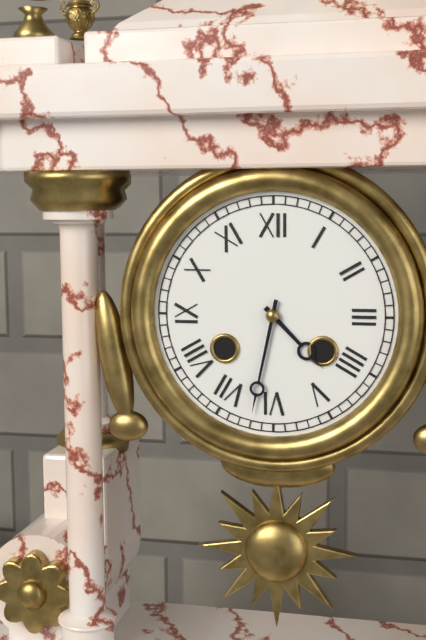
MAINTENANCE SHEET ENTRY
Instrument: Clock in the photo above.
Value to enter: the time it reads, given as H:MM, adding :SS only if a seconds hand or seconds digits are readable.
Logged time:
4:32
